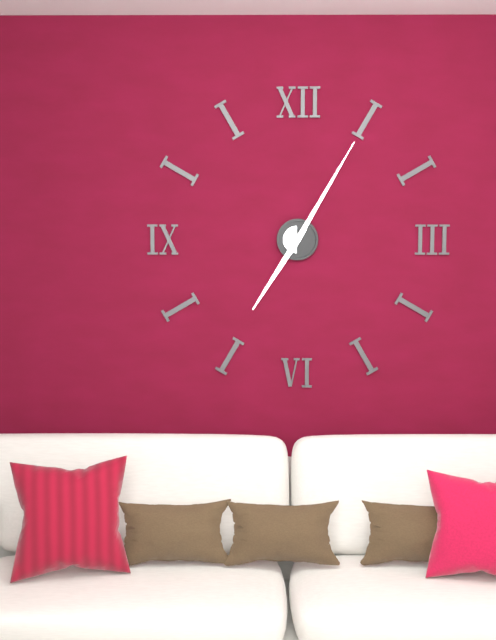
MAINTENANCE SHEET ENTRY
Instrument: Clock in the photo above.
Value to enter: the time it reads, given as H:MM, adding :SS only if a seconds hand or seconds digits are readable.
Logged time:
7:05
